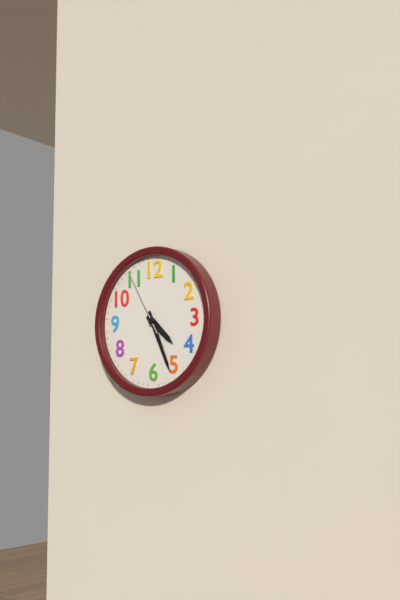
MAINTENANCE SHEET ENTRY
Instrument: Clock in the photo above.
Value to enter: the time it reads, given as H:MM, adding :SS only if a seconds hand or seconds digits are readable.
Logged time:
4:26:55
